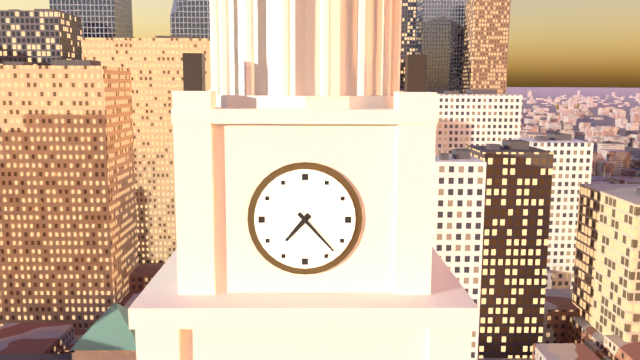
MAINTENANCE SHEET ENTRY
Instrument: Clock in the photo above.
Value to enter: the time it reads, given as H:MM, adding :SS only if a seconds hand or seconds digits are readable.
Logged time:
7:23
